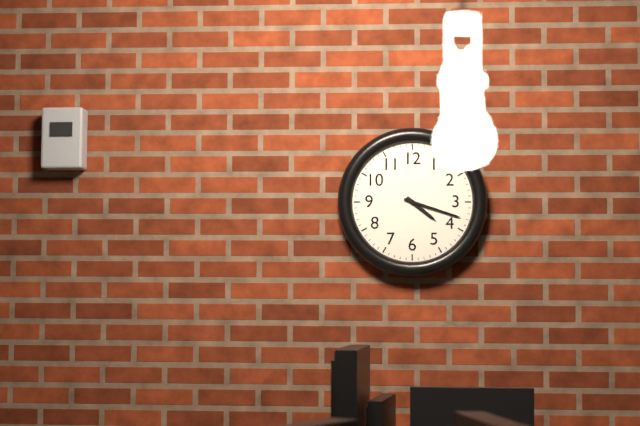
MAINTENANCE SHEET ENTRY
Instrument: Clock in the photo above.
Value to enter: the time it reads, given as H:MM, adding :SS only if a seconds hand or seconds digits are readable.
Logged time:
4:18
